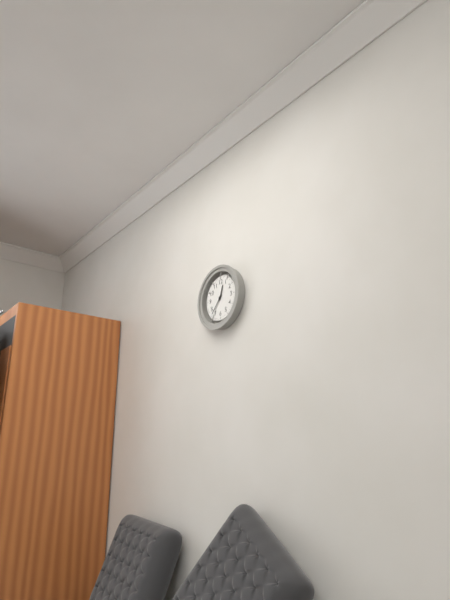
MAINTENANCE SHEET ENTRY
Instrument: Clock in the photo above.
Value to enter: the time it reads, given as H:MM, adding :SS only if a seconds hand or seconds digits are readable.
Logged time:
12:37
